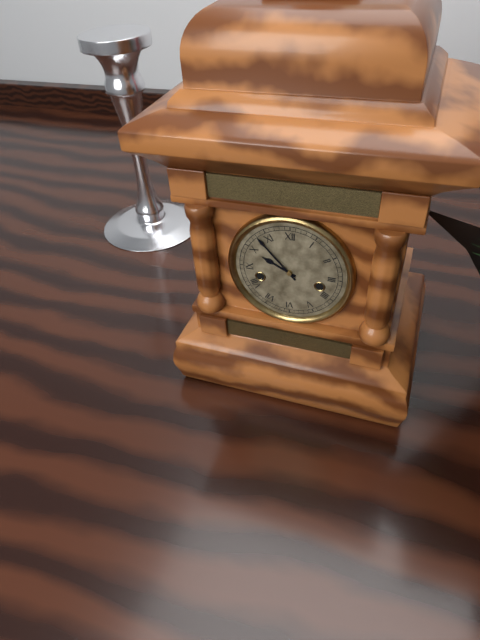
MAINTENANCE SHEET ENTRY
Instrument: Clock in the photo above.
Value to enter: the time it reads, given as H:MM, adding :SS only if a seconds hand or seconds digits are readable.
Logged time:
9:53
